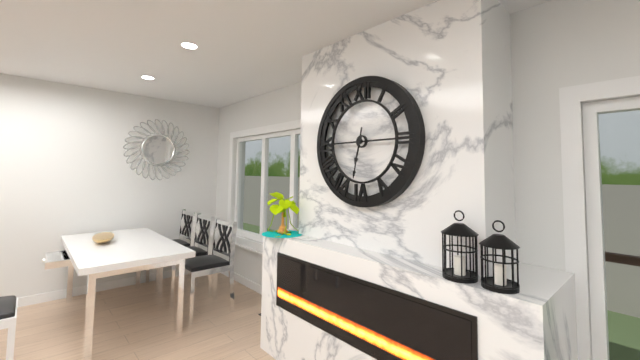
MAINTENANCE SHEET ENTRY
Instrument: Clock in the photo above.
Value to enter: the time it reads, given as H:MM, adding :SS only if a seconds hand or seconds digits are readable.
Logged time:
6:32
